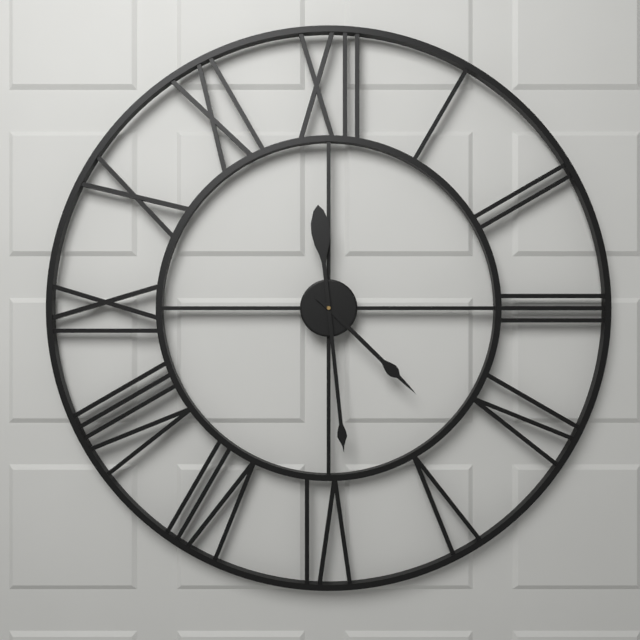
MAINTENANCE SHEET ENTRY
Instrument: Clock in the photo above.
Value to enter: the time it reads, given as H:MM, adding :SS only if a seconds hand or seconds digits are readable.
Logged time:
4:29
